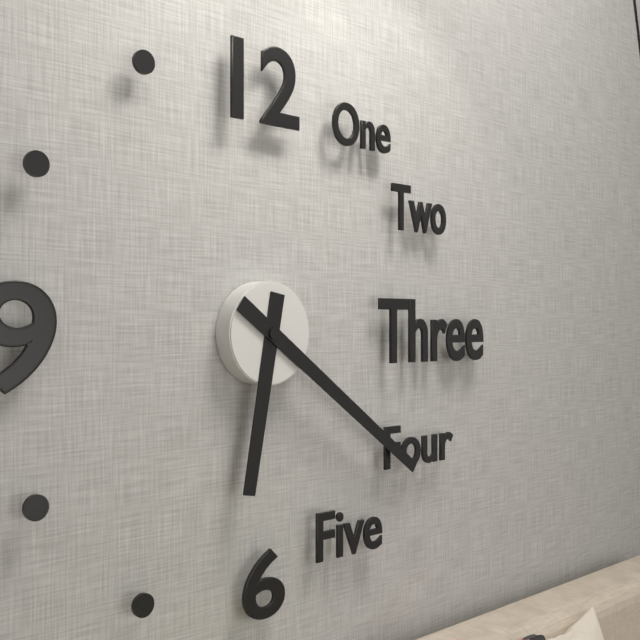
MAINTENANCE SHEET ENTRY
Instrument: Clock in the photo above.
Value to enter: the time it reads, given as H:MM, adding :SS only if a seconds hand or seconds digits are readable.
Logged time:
6:21
